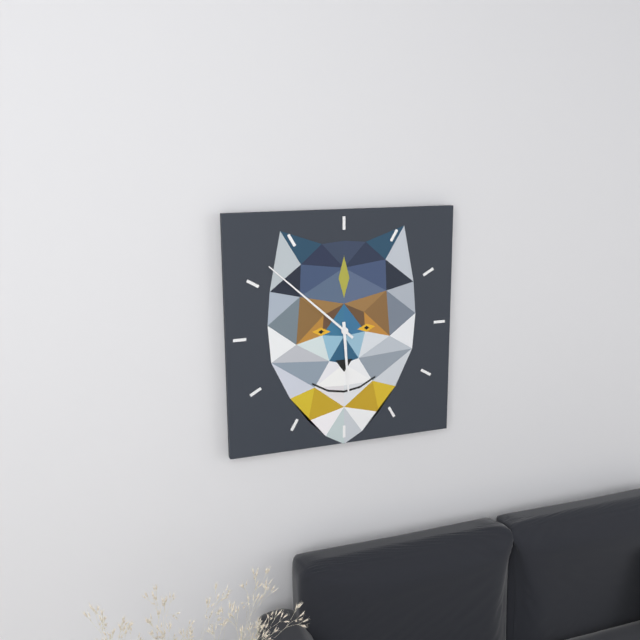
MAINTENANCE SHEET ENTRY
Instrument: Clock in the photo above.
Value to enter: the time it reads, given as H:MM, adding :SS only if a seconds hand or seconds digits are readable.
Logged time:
5:52
